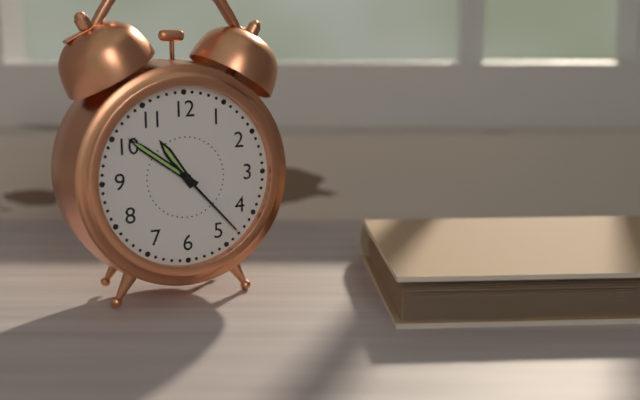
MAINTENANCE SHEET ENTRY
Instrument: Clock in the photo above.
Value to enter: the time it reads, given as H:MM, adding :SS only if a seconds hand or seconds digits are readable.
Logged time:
10:51:23
